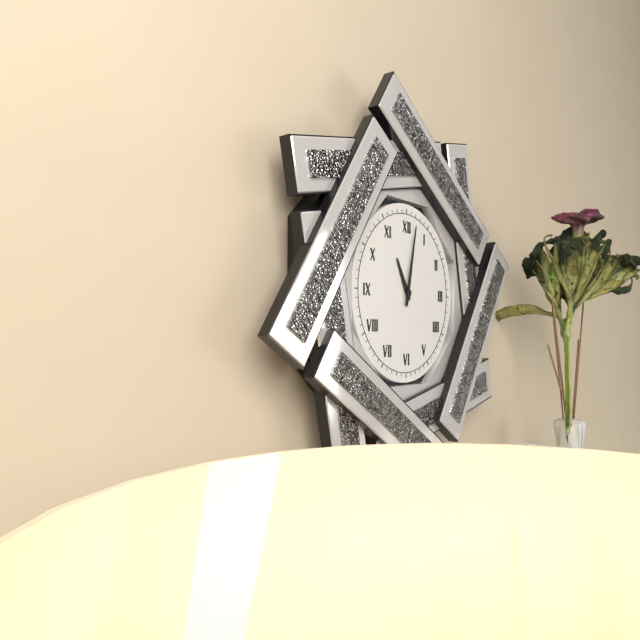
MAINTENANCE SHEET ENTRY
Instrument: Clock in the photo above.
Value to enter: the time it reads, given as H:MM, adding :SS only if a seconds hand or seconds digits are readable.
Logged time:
11:02
